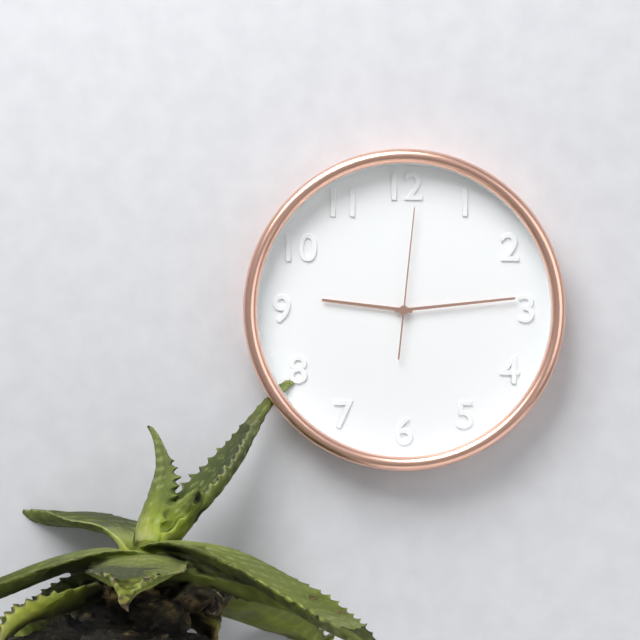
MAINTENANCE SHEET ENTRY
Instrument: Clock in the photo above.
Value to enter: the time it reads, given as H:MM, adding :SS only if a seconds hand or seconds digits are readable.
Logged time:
9:14:01
